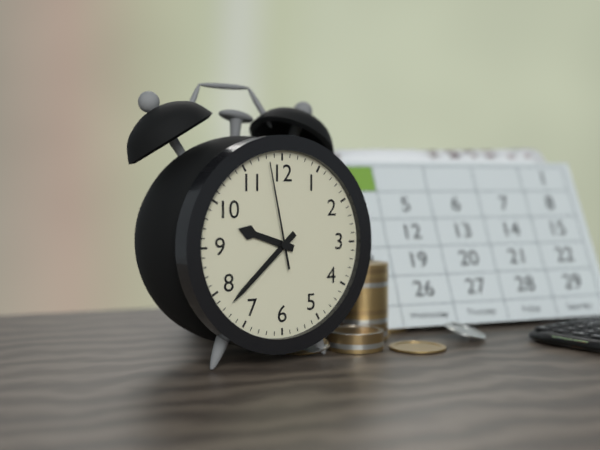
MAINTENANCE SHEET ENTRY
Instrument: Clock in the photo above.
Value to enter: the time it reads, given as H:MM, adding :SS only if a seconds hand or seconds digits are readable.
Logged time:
9:38:58
